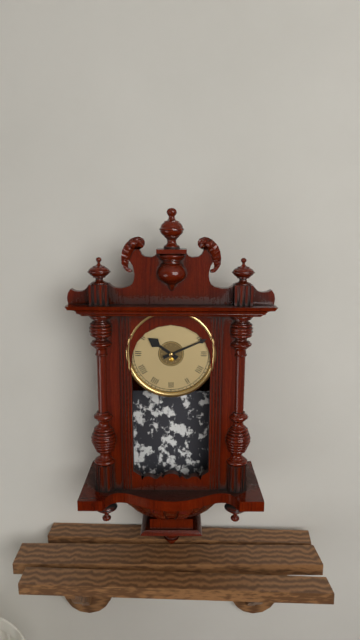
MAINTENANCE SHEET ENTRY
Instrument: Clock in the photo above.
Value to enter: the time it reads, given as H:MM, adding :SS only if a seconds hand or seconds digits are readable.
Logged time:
10:11
